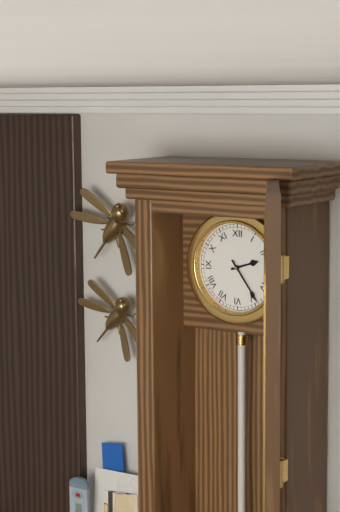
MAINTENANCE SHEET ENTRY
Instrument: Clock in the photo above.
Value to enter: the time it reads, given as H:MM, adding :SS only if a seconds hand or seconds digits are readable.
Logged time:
2:24
